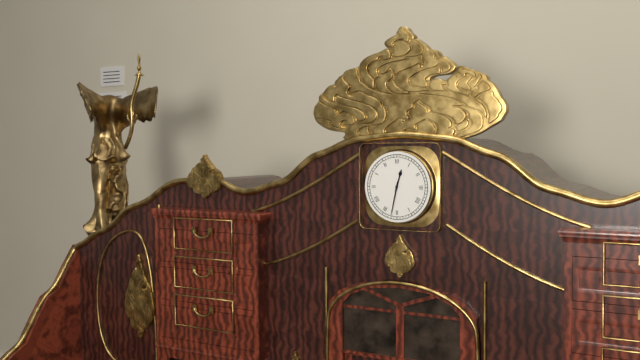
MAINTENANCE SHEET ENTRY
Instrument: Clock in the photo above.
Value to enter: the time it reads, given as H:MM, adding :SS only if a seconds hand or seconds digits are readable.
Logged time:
12:32
